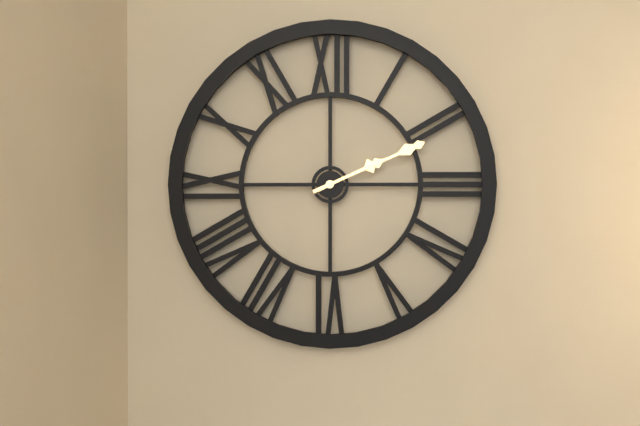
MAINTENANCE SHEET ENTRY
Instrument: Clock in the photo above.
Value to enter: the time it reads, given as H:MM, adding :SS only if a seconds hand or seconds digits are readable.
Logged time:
2:11
